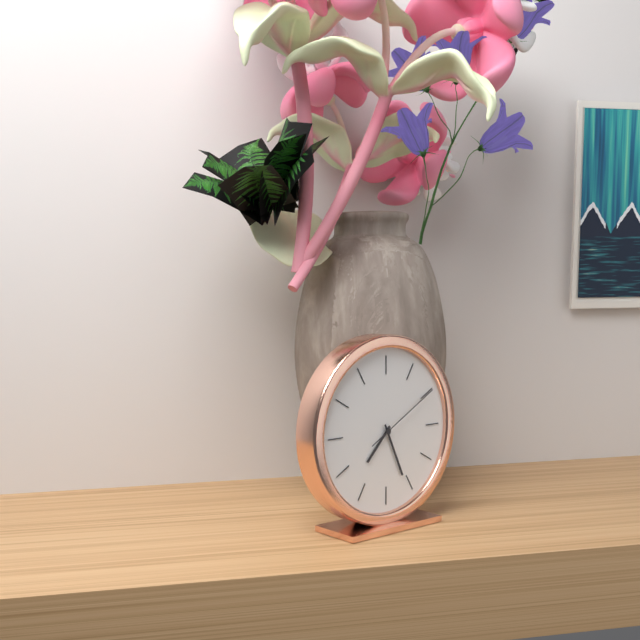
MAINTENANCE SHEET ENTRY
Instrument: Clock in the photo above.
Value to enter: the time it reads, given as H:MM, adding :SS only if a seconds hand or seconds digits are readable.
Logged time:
7:26:10
